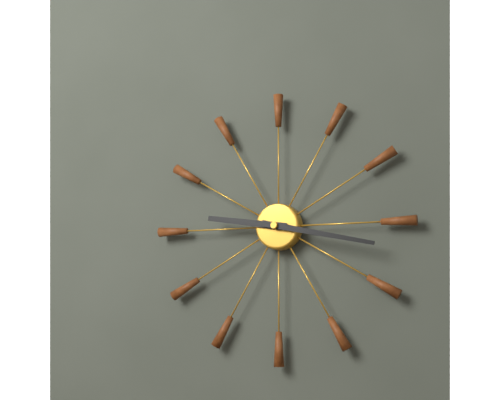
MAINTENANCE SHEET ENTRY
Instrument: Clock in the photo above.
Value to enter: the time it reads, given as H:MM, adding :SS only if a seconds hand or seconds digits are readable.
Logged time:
9:17
